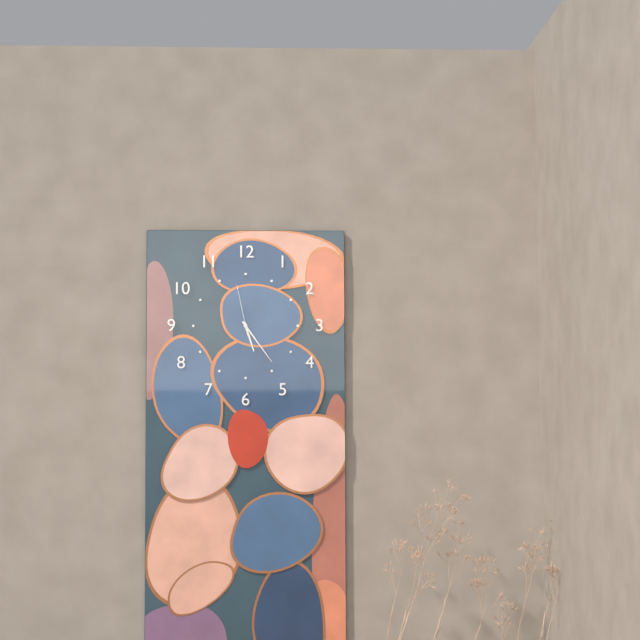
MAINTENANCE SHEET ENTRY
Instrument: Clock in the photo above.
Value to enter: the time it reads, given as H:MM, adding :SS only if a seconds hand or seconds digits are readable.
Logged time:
5:24:58
